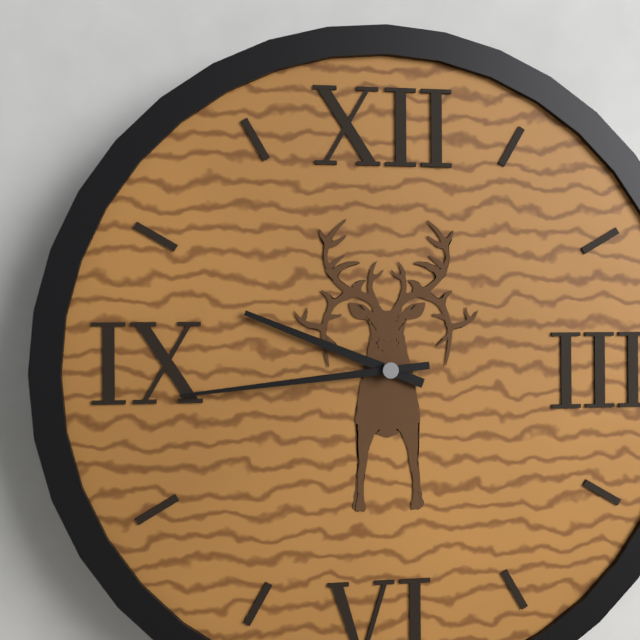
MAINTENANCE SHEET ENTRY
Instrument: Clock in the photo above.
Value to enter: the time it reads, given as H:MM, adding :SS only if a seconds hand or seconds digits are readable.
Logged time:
9:44
